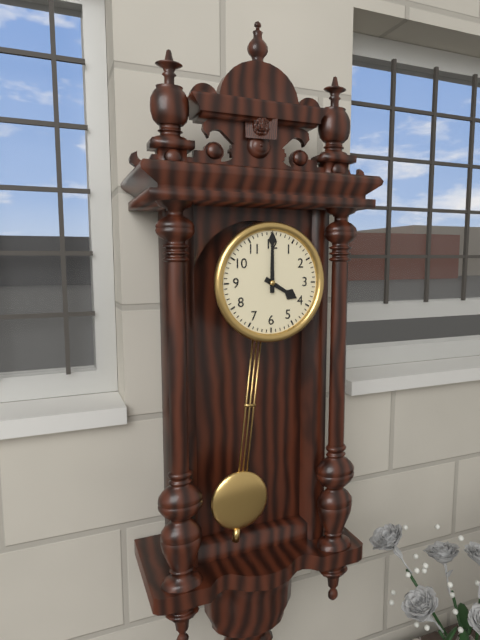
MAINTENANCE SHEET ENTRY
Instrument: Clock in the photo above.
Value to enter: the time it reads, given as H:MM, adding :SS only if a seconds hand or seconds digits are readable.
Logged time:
4:00
